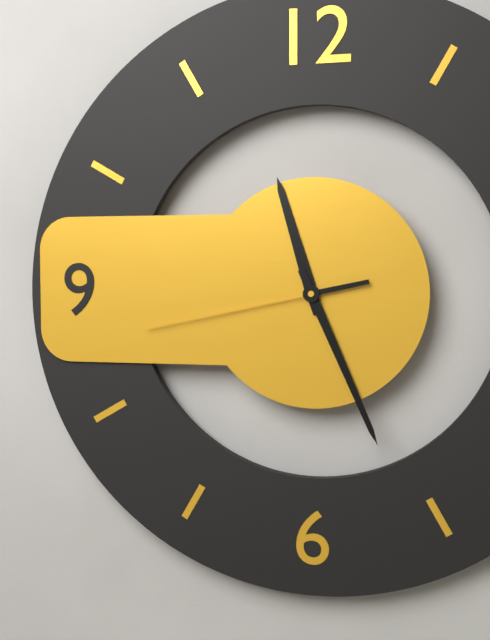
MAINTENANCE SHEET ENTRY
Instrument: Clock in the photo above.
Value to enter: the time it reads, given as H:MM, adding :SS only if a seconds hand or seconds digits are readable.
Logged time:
11:26:43
